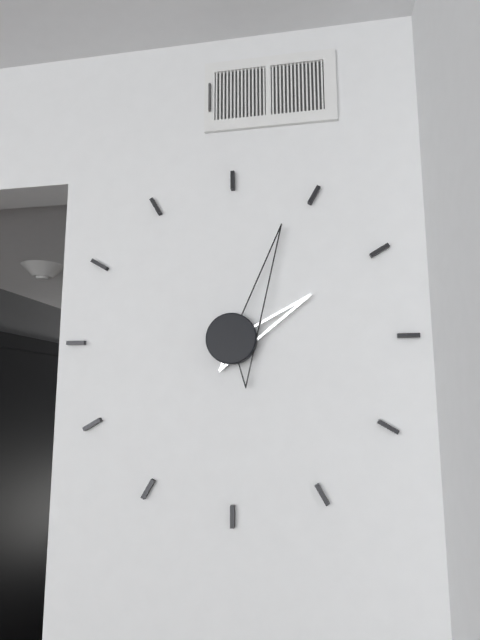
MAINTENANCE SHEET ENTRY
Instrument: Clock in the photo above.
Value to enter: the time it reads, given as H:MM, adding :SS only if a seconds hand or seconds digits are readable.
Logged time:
2:04
